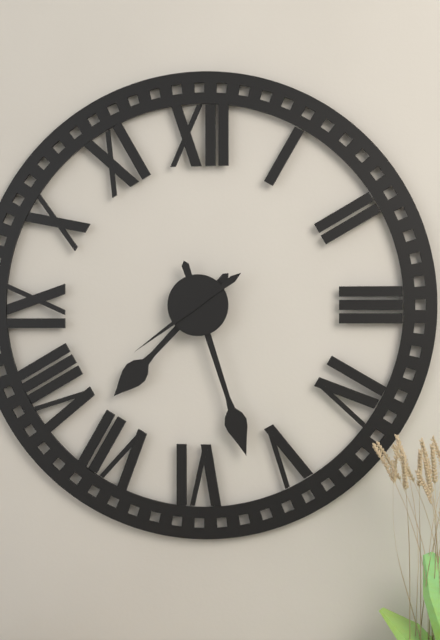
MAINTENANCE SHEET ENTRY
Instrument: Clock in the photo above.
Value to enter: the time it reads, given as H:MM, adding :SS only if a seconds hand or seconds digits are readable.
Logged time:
7:27:39
